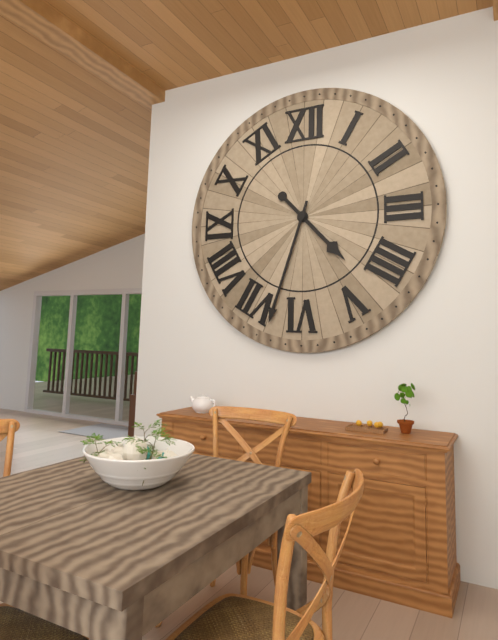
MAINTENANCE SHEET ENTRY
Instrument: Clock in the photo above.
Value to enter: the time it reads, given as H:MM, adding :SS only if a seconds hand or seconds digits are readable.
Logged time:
4:33
